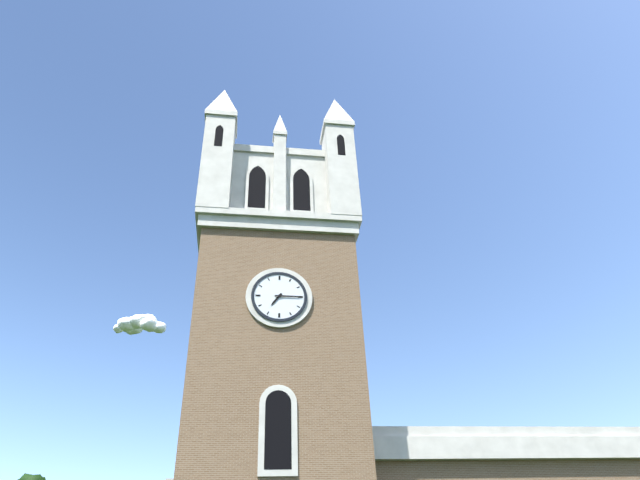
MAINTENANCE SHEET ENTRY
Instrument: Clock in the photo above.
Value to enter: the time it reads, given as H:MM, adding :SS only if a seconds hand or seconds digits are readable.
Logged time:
7:15
